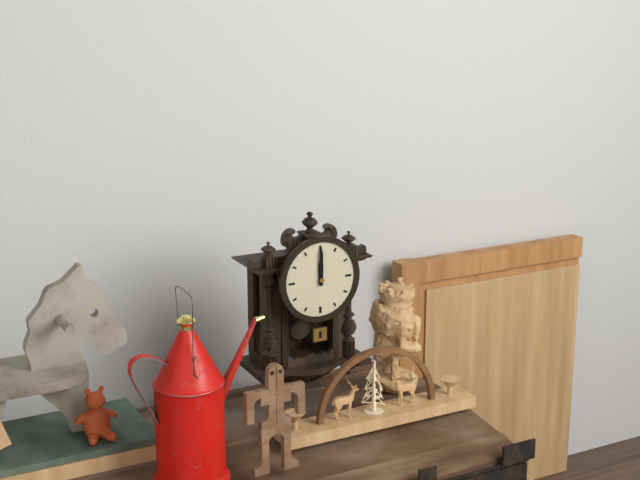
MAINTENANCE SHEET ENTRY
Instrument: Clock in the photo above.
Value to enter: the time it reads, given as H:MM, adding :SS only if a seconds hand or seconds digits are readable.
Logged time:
12:00
